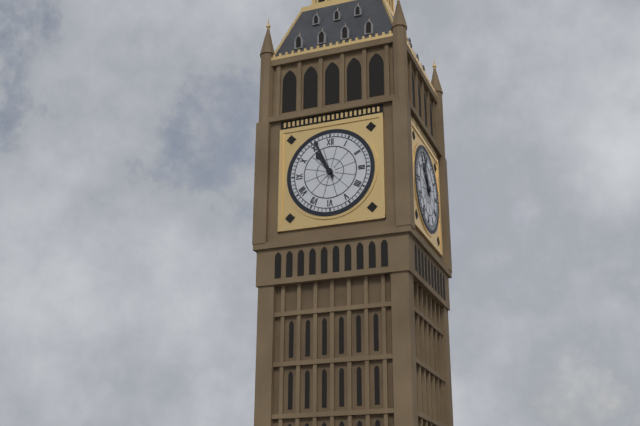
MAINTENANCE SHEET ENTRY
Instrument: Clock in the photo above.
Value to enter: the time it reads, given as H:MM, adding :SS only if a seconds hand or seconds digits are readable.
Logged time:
10:56
